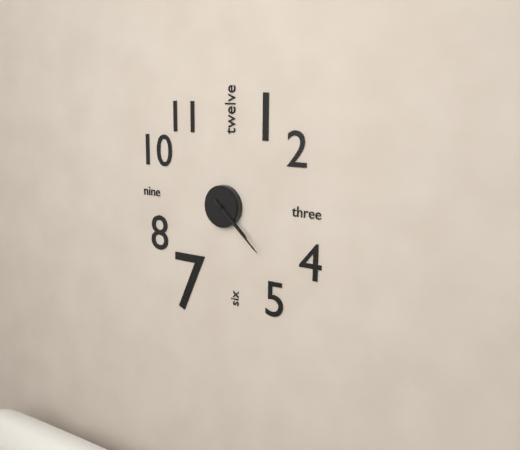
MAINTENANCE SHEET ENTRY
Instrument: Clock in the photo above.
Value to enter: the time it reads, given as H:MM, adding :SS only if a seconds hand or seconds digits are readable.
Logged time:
4:22
